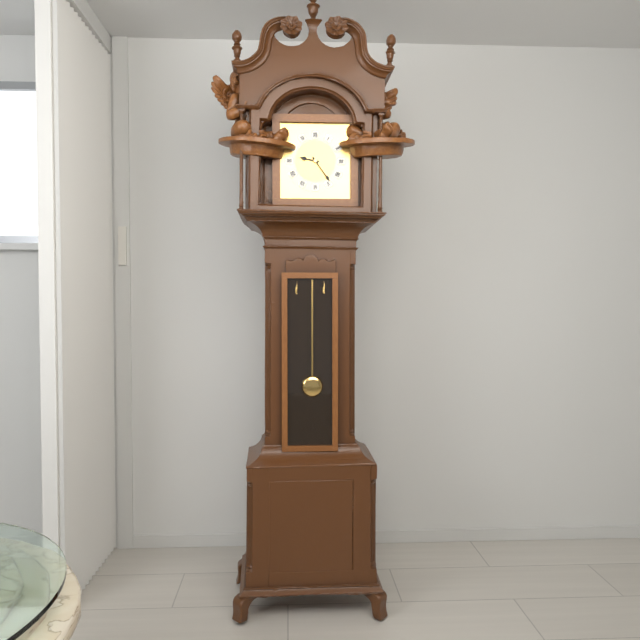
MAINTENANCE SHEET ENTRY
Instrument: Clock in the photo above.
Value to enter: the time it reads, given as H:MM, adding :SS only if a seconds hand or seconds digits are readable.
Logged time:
9:24
